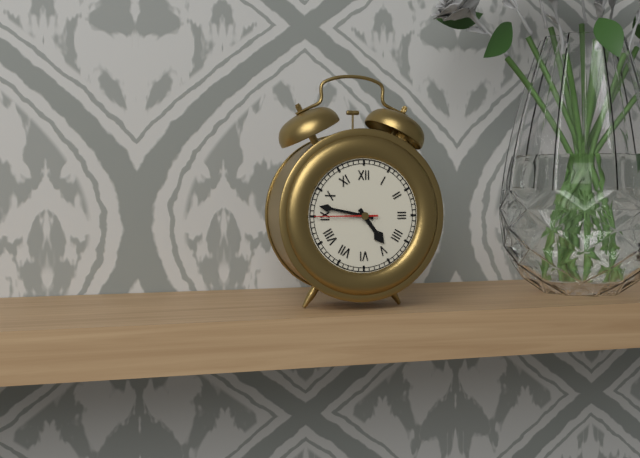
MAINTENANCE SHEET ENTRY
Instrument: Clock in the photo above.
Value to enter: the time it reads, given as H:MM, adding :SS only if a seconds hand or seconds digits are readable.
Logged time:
4:47:45
